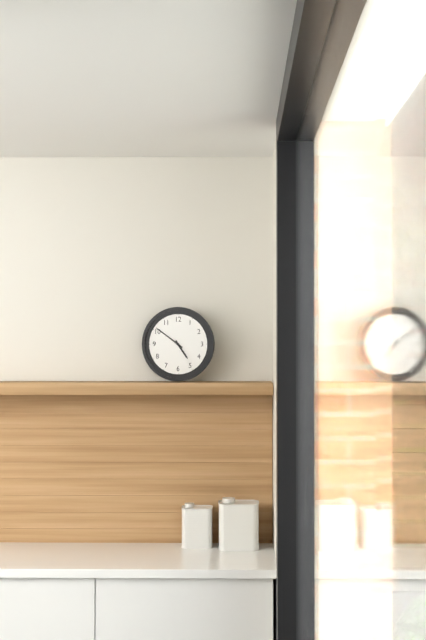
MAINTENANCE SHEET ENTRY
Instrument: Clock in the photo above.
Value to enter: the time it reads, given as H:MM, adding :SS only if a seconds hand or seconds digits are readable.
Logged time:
4:51
